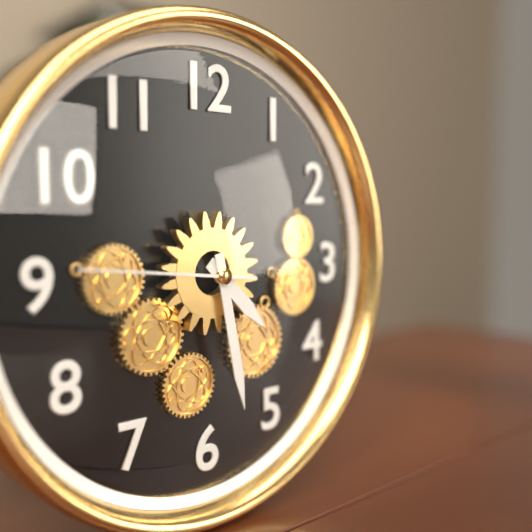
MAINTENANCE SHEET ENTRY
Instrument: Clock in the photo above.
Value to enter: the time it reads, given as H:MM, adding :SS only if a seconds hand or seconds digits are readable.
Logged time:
4:28:46
